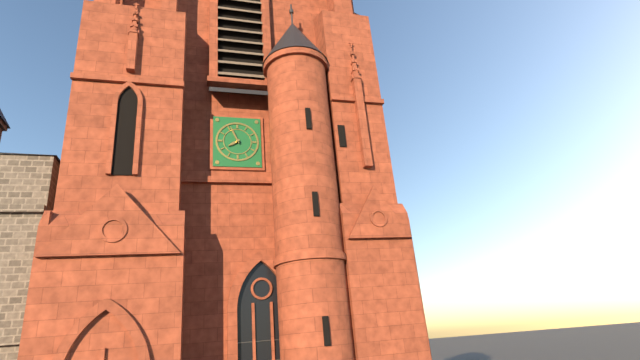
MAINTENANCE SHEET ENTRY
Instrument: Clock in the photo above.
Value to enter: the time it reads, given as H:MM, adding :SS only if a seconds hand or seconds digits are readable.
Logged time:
7:56
